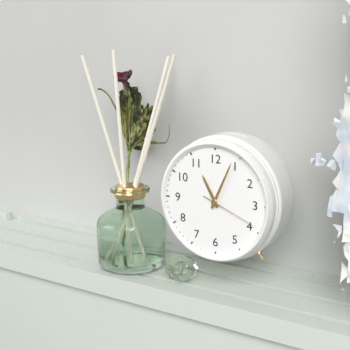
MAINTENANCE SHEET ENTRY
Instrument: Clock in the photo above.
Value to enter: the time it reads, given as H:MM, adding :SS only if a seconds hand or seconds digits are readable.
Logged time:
11:04:19
